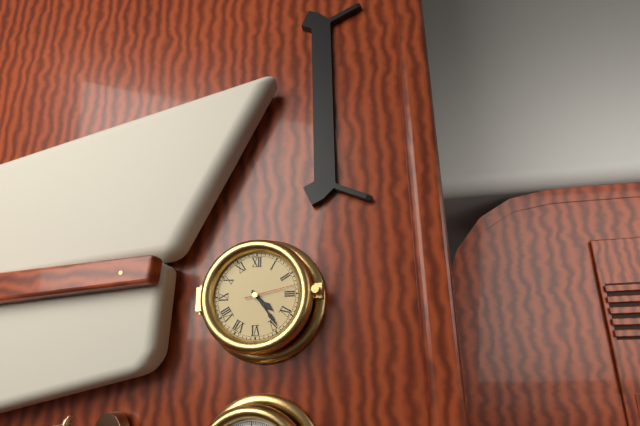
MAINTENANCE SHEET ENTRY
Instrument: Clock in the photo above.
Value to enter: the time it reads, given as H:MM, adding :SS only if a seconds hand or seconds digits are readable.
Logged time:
4:24
